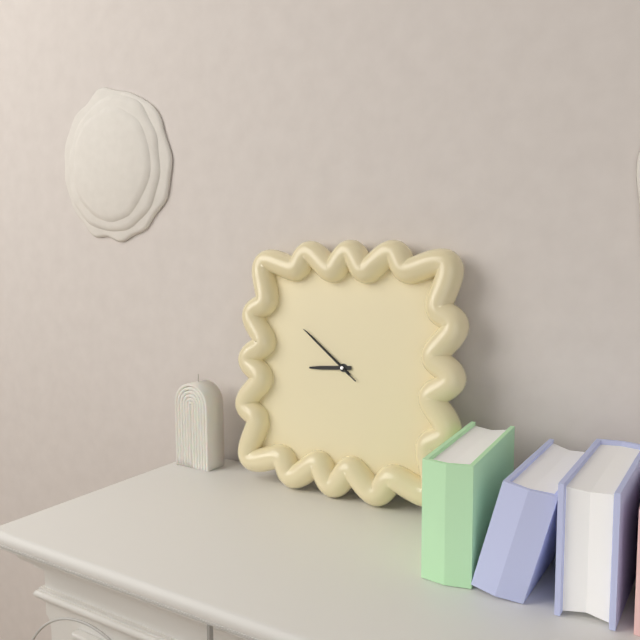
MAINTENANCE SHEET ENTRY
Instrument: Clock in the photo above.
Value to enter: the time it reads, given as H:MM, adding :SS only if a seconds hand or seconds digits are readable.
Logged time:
8:51:51
